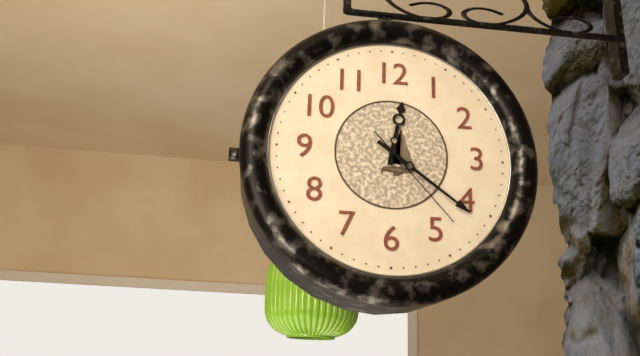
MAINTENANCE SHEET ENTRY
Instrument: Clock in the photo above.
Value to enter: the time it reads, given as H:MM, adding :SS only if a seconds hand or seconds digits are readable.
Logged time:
12:21:23
